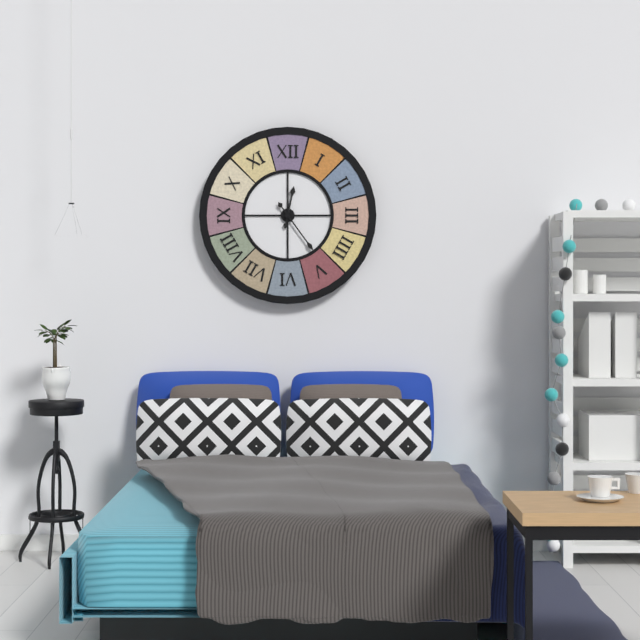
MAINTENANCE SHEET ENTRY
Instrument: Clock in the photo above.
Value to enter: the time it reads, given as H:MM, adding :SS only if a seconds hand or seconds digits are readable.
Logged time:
12:24
